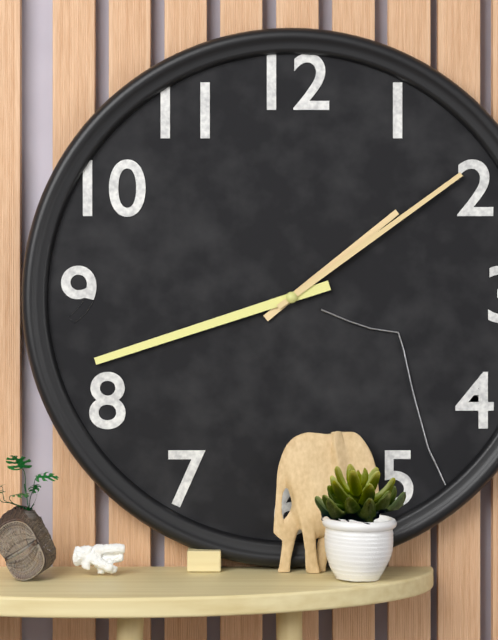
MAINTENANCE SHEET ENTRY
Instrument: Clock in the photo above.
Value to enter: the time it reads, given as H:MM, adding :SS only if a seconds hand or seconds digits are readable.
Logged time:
1:42:09
